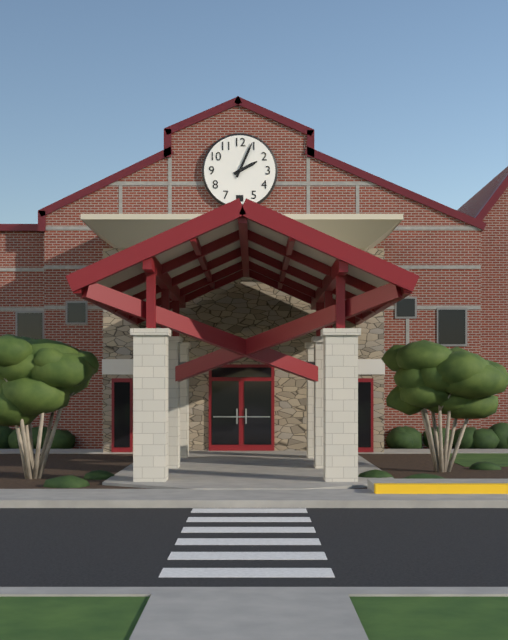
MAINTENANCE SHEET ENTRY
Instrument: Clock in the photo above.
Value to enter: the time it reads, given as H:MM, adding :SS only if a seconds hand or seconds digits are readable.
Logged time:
2:04
